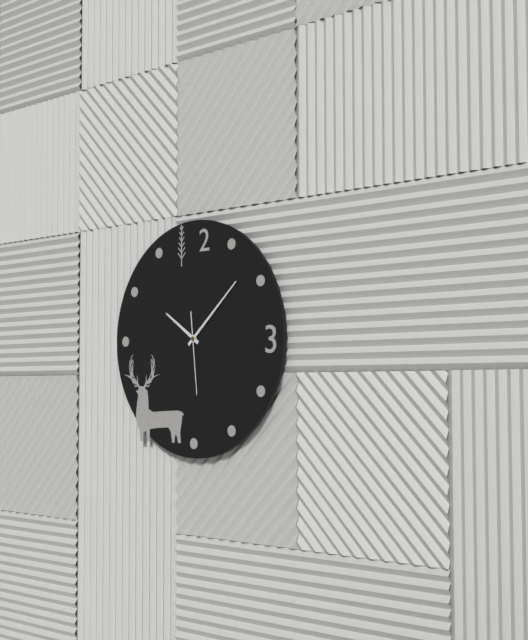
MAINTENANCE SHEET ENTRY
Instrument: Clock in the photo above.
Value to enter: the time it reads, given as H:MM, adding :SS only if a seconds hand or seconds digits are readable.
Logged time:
10:08:29
